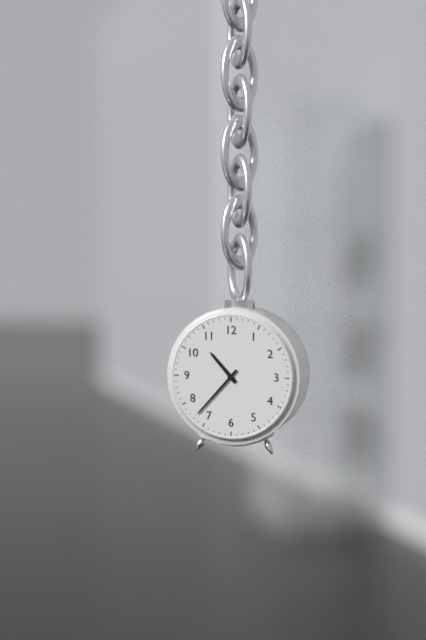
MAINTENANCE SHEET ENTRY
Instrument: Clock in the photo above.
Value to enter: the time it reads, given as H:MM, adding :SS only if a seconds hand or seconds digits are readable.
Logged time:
10:37
